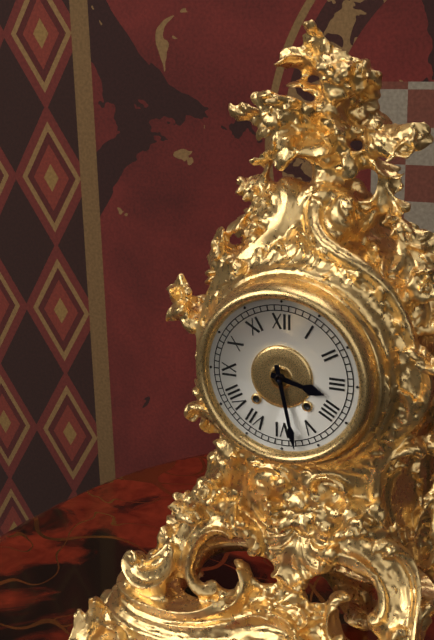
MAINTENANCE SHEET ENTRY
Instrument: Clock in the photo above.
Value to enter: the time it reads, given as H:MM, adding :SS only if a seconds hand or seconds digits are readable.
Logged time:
3:28
